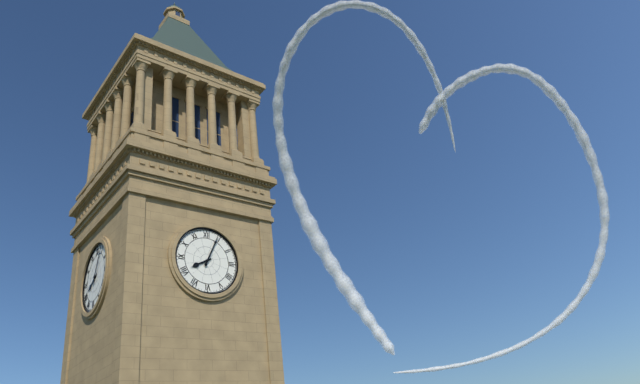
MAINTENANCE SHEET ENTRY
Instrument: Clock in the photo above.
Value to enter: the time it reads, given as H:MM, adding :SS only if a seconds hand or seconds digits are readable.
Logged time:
8:04
